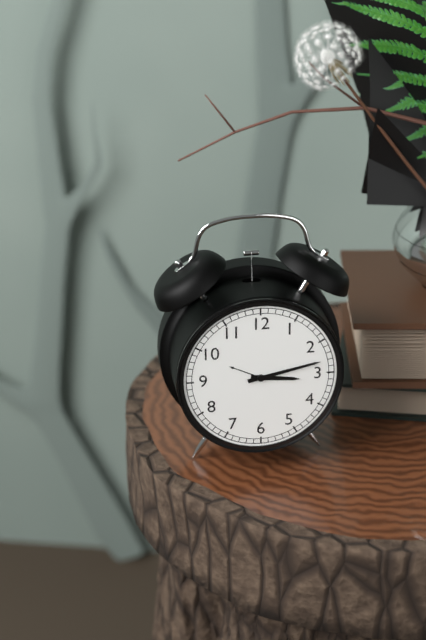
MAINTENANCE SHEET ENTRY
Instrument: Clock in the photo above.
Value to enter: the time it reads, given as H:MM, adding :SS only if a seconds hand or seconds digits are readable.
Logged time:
3:13
